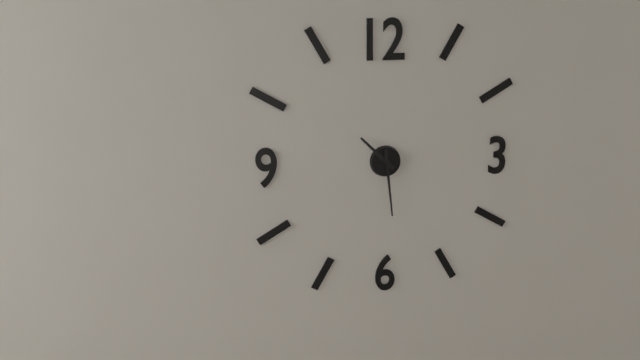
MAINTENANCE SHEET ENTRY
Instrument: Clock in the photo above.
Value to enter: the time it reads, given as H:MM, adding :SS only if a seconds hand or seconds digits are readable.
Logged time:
10:29
